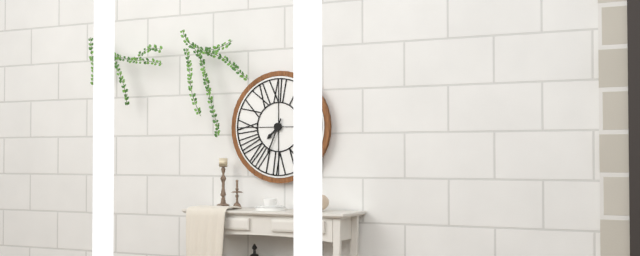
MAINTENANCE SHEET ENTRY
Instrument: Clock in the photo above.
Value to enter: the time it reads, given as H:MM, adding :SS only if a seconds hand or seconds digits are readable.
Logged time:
7:34
